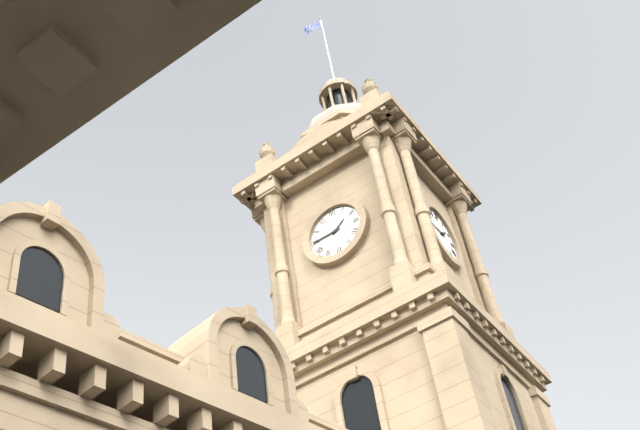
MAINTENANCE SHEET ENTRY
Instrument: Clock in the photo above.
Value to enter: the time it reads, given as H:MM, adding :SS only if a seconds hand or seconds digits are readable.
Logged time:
1:45
